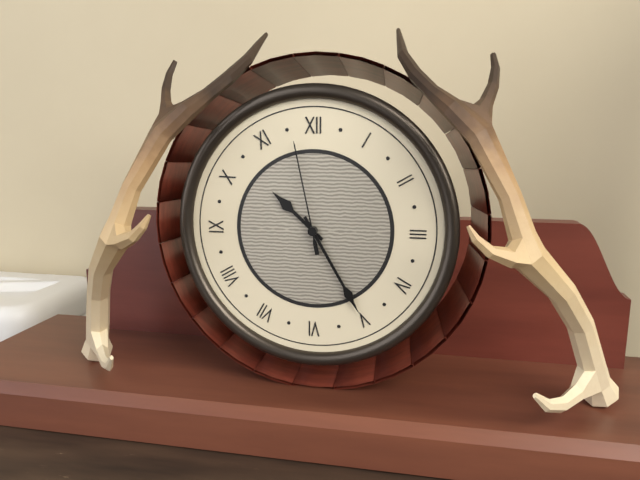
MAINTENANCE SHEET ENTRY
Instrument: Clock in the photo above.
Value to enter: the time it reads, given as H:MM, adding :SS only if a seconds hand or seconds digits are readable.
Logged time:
10:25:58
